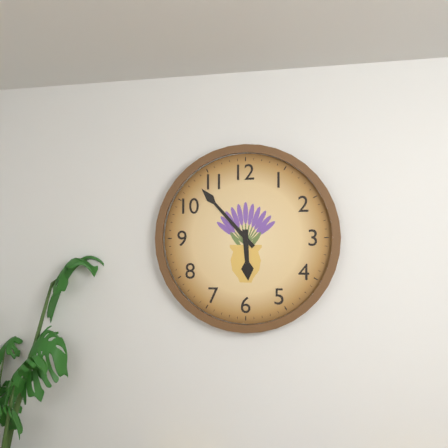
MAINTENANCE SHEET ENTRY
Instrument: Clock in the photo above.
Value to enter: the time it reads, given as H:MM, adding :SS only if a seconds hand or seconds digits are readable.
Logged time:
5:53
